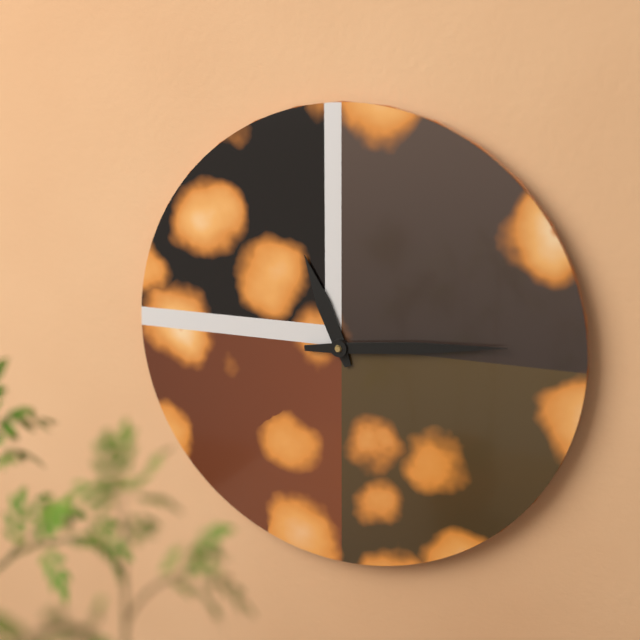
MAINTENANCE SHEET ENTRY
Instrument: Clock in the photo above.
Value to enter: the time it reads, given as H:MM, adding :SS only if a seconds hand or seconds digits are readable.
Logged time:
11:14
